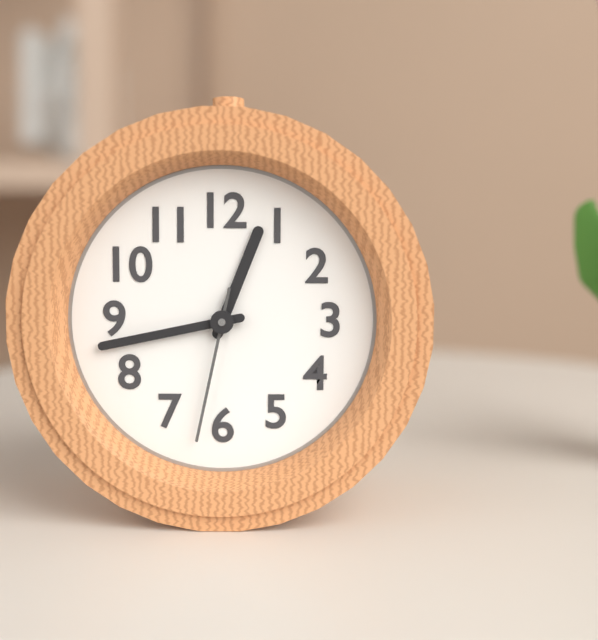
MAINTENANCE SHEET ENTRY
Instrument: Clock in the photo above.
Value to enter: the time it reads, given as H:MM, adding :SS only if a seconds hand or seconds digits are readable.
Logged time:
12:43:32
